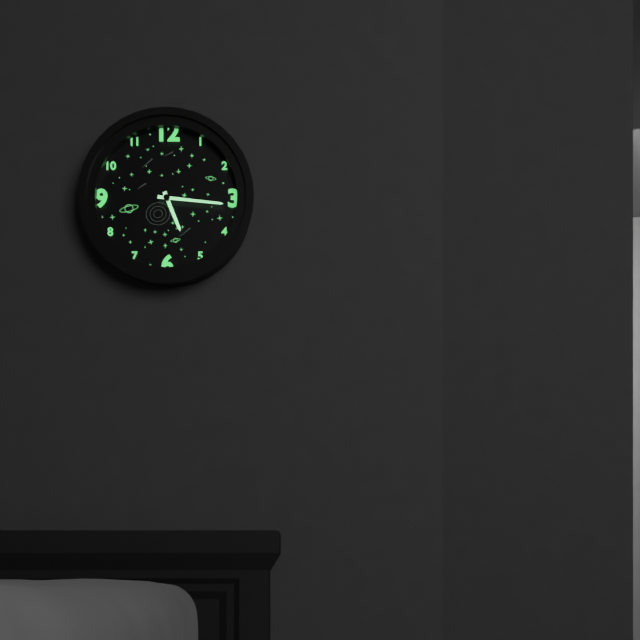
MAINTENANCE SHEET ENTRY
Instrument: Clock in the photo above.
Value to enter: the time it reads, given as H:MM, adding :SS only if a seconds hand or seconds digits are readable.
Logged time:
5:16
